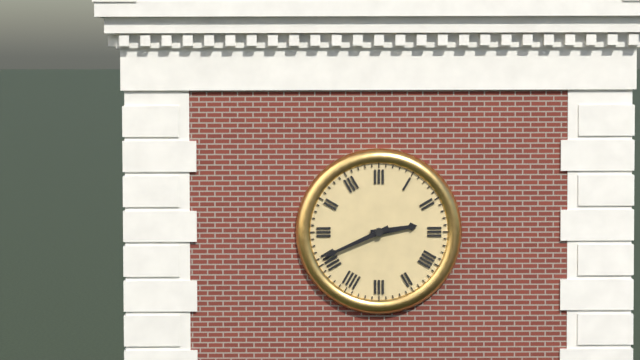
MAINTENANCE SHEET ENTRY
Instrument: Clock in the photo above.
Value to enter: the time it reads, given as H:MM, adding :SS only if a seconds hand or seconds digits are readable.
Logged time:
2:41
